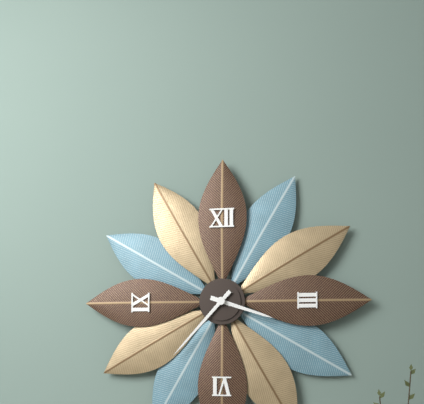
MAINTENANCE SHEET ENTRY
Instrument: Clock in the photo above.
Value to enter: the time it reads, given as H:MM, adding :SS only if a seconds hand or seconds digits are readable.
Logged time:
3:37
